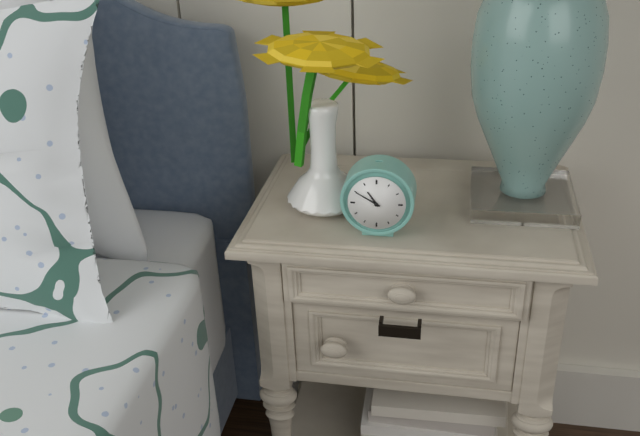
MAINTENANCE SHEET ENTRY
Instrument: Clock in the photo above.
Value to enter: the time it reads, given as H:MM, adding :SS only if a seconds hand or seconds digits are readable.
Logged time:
10:50
